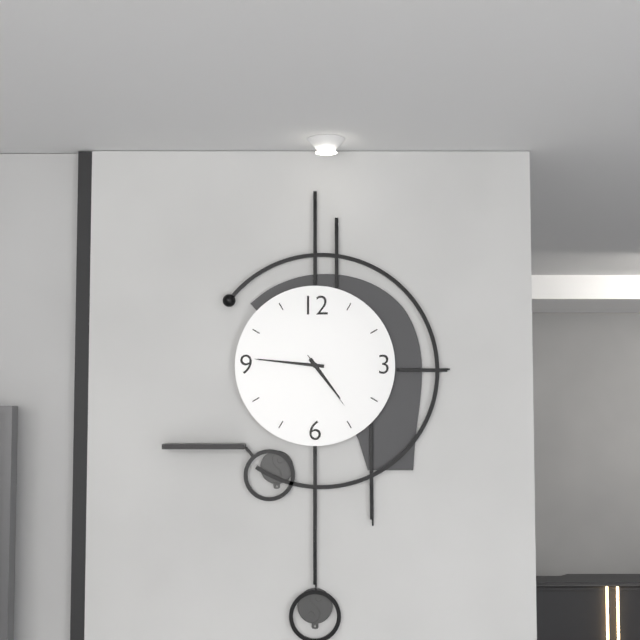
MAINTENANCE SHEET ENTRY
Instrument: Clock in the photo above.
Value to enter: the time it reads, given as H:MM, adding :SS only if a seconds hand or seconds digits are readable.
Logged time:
4:46:24
